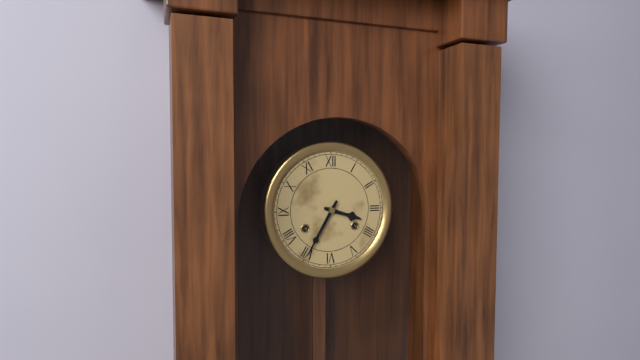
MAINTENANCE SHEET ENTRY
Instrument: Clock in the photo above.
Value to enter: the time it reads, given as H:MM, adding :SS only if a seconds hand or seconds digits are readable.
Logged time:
3:35
